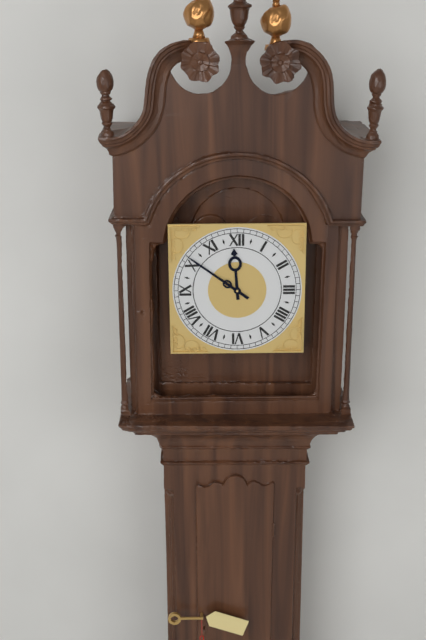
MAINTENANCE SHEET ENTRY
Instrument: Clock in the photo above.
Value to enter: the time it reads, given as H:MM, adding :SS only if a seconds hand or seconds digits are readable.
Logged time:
11:51
